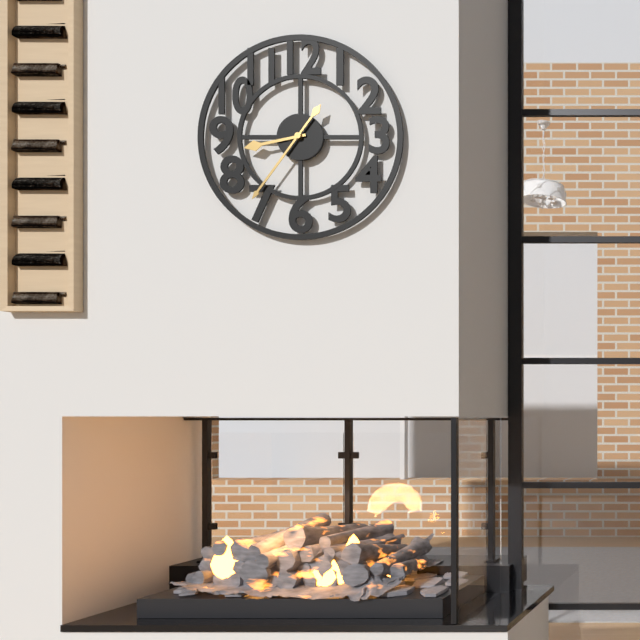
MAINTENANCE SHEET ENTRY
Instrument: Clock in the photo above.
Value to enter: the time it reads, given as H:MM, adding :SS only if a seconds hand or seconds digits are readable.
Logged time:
8:36
